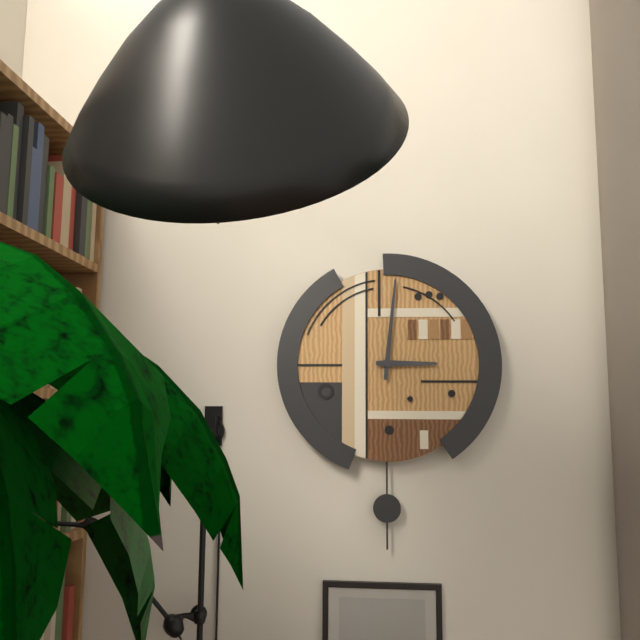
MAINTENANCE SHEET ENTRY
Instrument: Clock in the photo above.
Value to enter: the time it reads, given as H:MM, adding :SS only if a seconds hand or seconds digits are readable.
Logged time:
3:01
